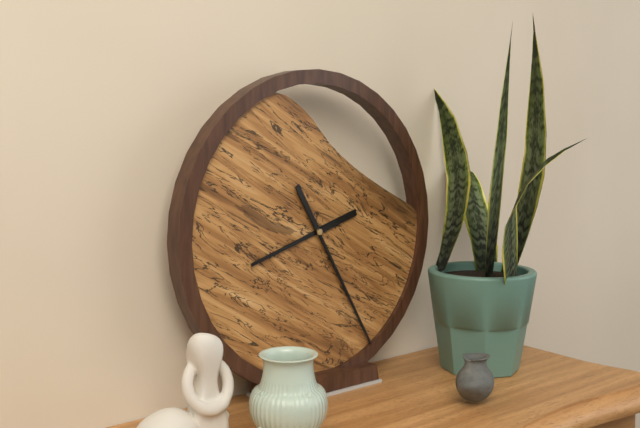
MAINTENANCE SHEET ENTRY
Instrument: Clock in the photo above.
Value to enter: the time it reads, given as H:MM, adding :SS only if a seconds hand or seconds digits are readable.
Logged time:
8:25
